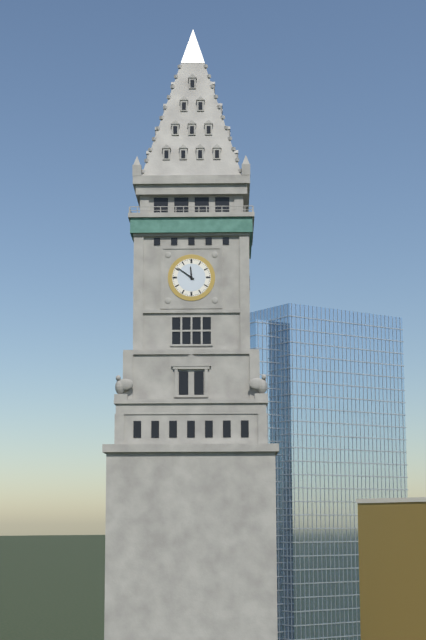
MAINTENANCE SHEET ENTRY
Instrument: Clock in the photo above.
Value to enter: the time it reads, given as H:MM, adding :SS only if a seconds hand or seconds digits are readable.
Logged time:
11:51
